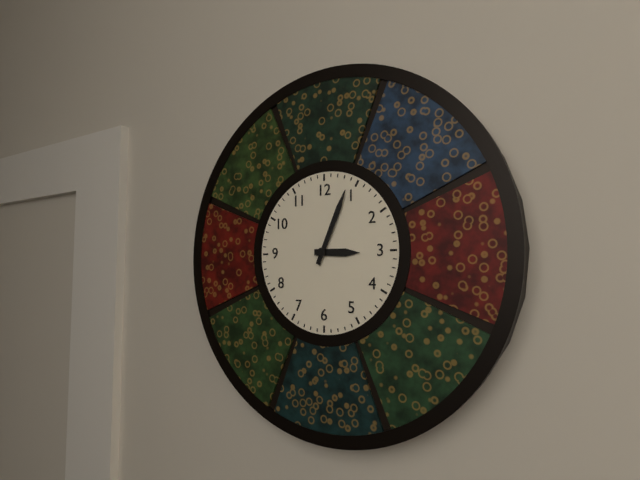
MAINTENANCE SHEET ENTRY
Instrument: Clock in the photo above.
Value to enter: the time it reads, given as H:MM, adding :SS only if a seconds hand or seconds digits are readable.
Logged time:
3:04
